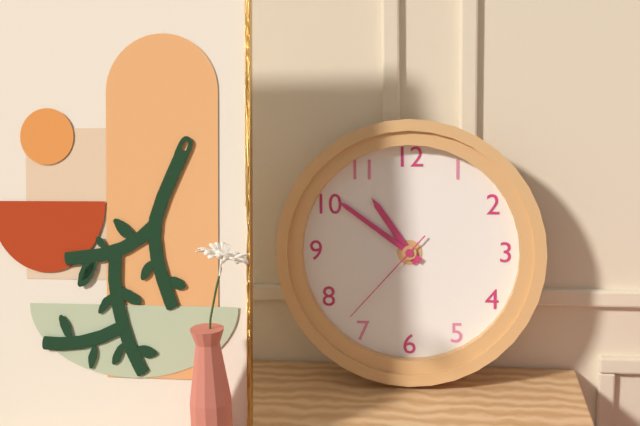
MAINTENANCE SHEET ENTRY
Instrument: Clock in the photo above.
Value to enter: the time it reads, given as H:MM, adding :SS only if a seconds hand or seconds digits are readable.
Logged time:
10:51:37
